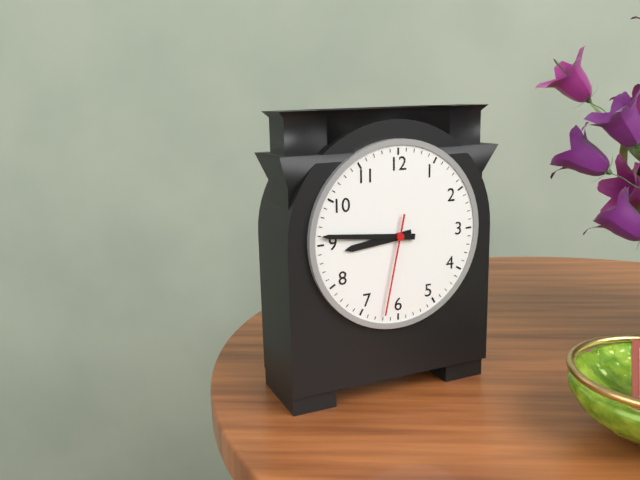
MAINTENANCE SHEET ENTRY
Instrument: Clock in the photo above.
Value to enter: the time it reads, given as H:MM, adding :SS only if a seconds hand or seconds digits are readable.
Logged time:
8:46:32
